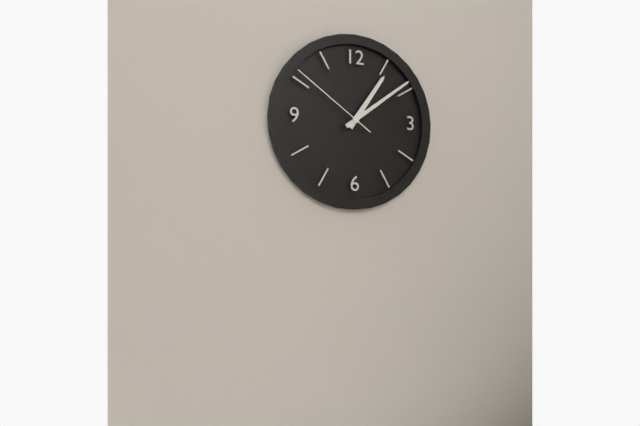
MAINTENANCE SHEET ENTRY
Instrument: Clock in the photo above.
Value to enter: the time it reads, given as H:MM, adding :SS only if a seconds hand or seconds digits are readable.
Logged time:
1:09:51
